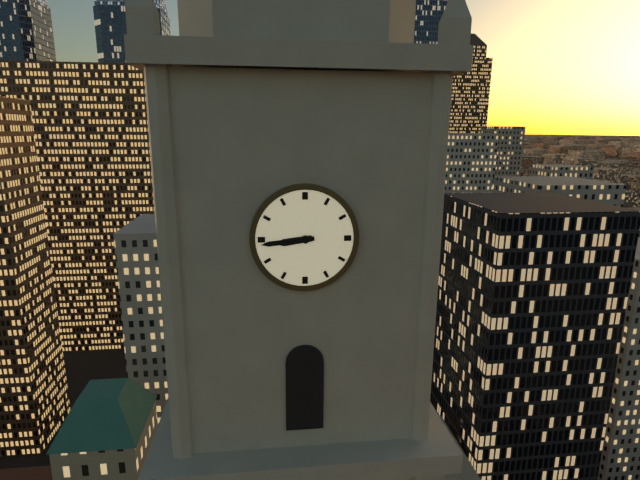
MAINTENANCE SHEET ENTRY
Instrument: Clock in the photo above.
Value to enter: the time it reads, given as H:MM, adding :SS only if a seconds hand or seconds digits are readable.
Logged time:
8:44
